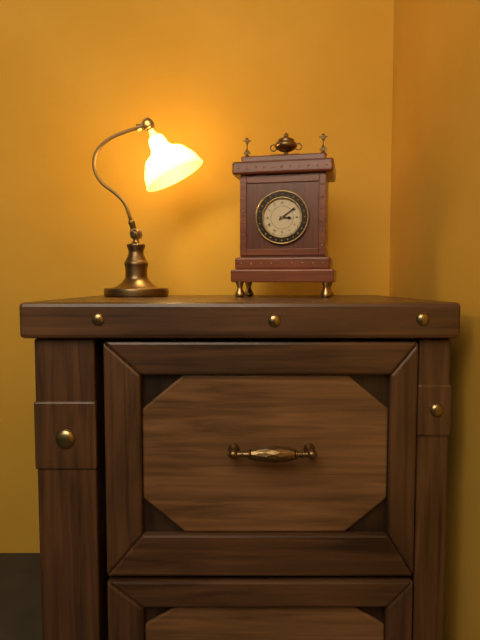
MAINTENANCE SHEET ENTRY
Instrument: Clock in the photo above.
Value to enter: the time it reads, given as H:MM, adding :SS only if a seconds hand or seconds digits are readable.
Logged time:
3:09
